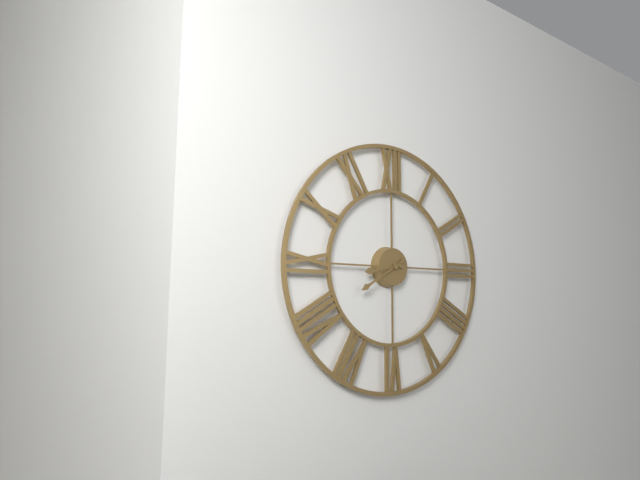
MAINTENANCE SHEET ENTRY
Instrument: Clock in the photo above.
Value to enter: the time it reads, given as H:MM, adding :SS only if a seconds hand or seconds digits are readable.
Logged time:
8:40
